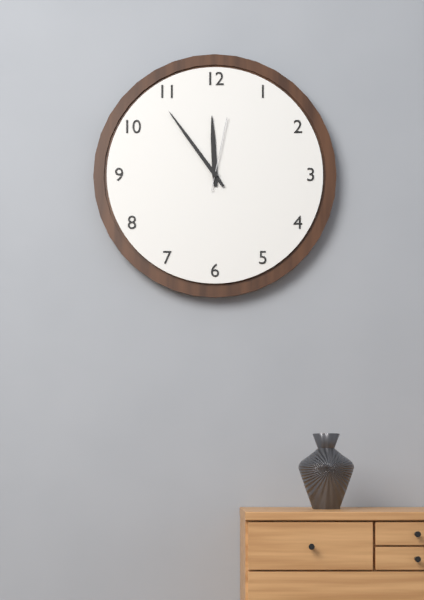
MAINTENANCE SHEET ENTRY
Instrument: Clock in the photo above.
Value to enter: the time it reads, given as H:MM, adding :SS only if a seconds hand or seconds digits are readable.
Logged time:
11:54:02
